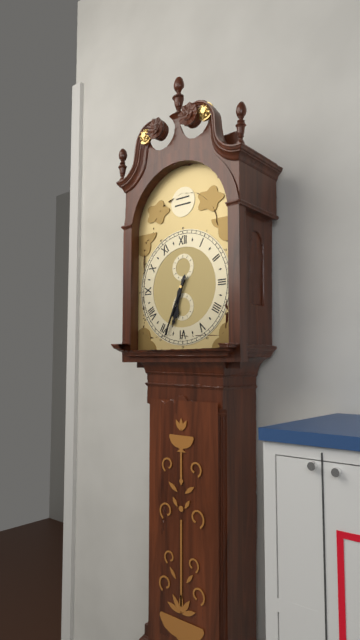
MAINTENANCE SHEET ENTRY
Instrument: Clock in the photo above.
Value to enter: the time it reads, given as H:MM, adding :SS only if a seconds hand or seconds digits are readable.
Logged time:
6:34
